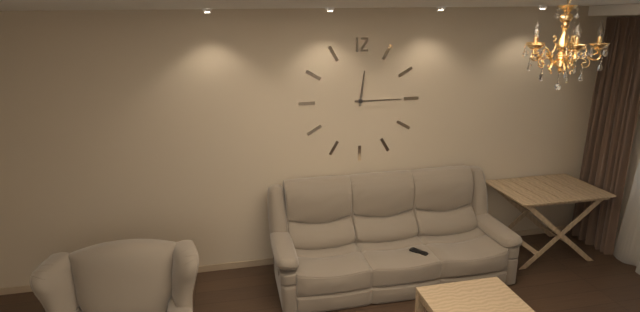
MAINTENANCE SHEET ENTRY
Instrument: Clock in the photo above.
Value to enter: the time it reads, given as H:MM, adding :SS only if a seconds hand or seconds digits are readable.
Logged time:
12:15
